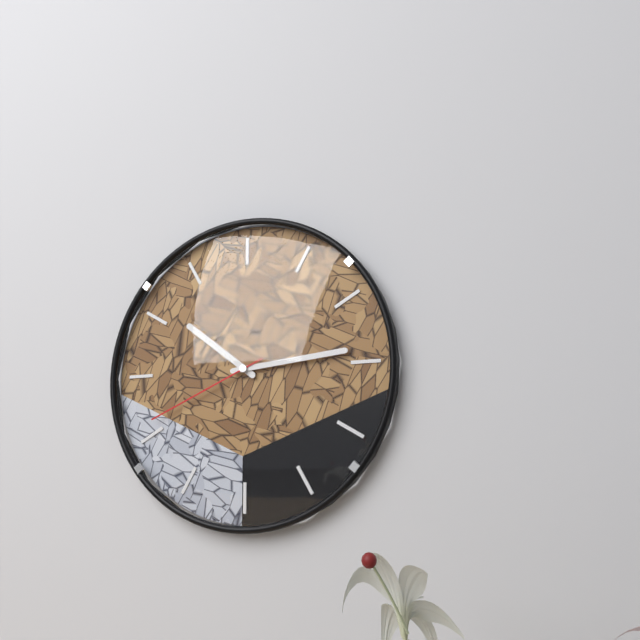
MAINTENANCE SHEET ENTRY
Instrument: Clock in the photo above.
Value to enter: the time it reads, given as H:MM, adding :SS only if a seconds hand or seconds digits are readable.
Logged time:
10:14:41
